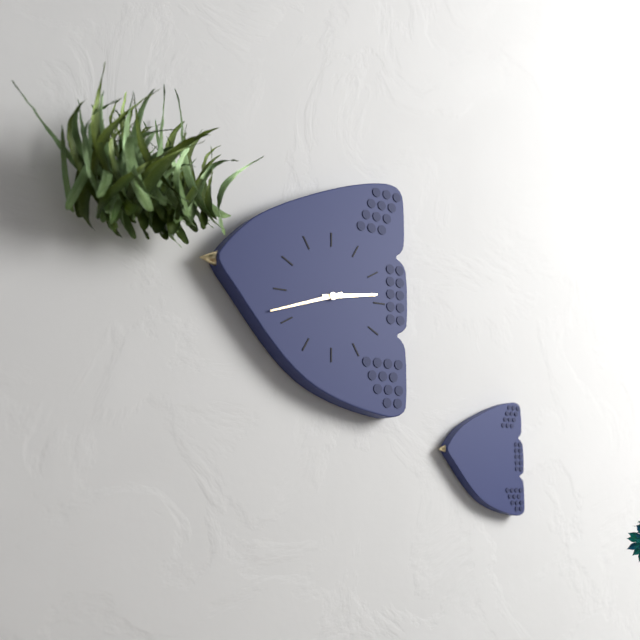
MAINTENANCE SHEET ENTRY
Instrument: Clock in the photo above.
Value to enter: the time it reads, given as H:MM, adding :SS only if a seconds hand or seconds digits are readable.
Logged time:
2:42
